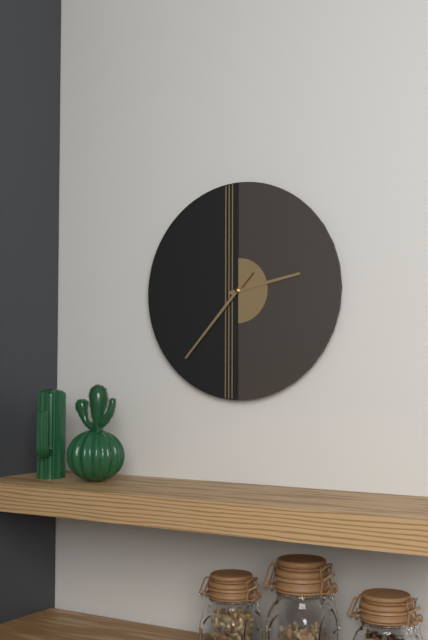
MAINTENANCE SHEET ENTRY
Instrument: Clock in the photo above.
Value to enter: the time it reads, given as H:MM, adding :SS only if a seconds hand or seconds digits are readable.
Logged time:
2:37
